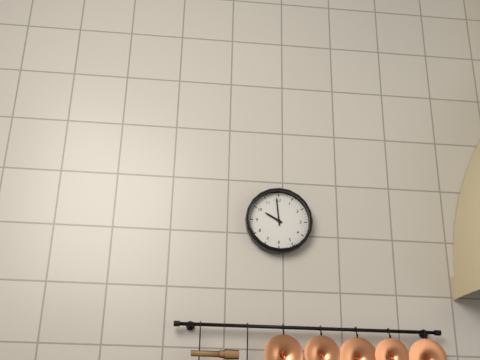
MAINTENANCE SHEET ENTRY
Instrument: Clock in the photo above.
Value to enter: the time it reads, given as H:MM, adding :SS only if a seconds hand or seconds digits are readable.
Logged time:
9:59
